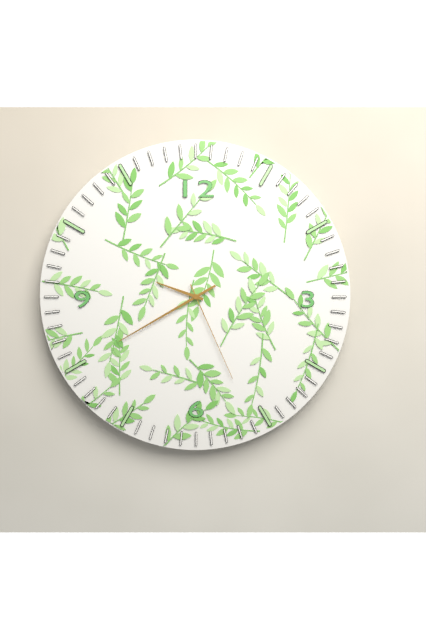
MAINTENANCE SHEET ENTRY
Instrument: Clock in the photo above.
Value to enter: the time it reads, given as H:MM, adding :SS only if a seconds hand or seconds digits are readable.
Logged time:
9:40:26
